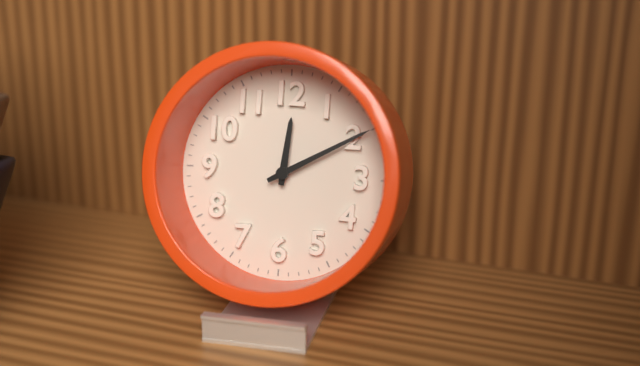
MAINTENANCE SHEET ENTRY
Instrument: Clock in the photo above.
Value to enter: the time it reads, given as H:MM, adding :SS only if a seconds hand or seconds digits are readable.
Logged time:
12:10
